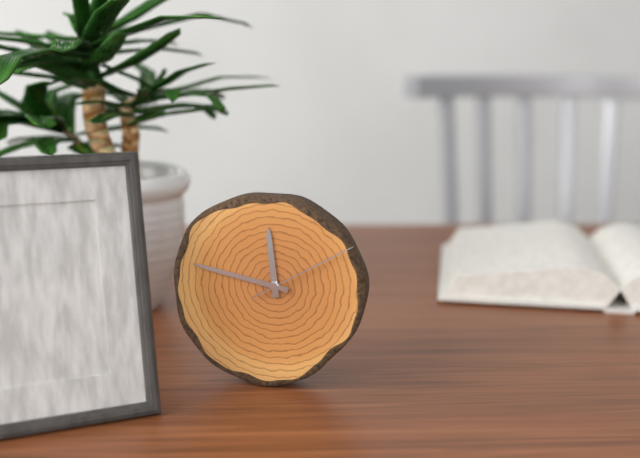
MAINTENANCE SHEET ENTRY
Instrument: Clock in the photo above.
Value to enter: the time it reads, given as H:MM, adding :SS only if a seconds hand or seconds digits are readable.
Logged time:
11:47:10
